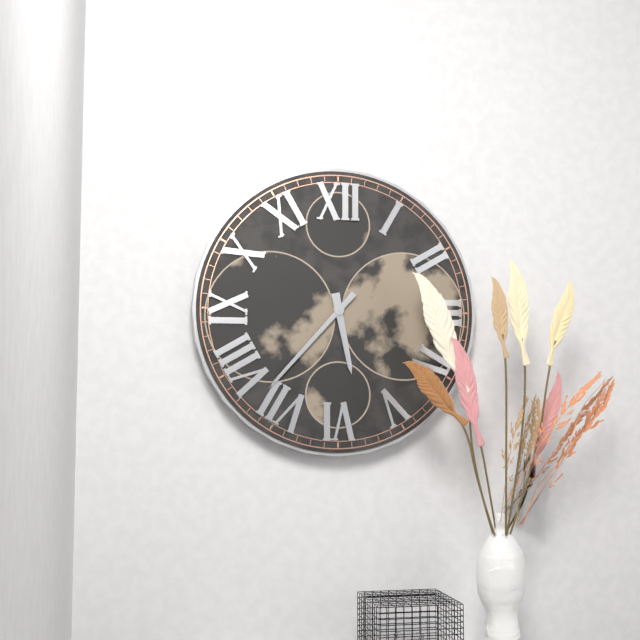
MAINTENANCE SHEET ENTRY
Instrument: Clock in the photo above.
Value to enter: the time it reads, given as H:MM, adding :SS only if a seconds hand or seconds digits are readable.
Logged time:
5:37
